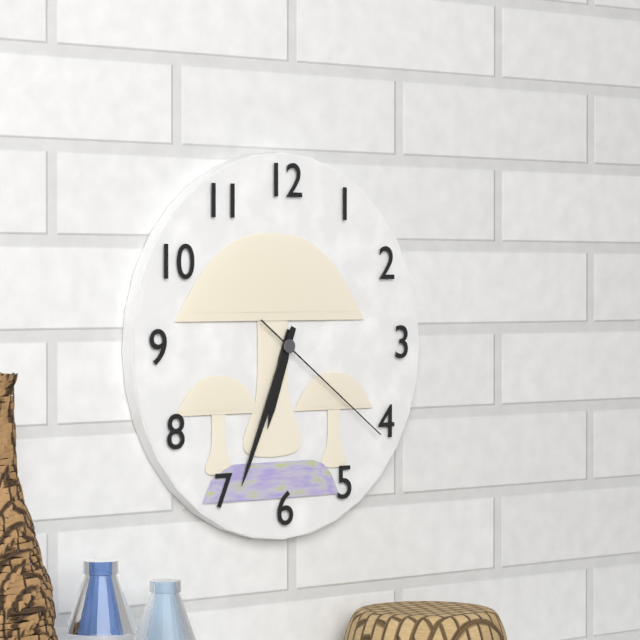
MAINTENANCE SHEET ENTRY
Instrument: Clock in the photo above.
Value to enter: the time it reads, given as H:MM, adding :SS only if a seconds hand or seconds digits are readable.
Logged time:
6:34:21
